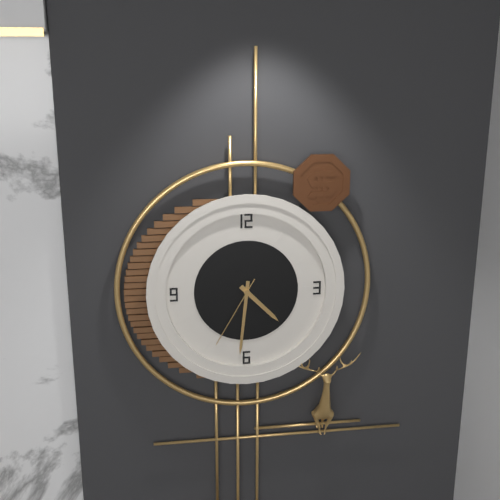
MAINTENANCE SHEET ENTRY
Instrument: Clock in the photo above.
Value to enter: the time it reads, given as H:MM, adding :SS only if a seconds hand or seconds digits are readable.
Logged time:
4:31:35
